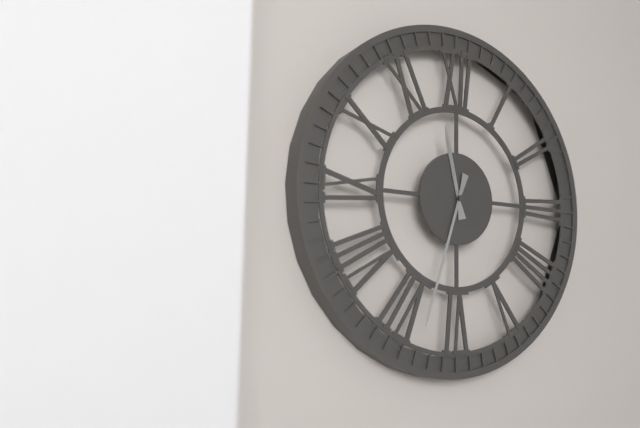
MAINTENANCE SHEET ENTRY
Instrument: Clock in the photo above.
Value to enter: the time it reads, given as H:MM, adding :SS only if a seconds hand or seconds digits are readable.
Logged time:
11:33
